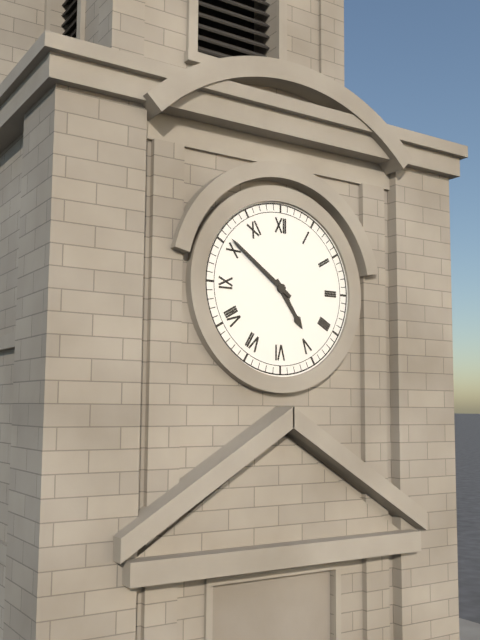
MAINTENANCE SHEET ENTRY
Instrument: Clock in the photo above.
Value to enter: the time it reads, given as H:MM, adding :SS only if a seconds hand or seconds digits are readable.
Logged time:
4:51
